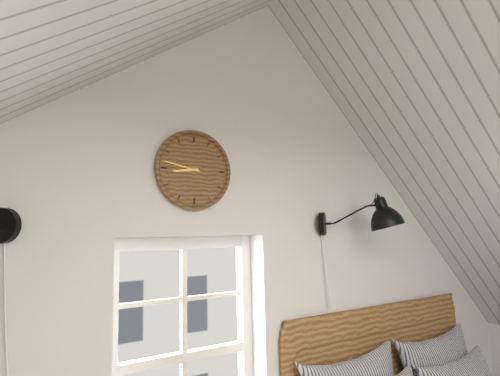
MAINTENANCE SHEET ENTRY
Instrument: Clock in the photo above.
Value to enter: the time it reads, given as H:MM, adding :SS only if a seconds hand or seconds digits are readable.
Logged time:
8:47
